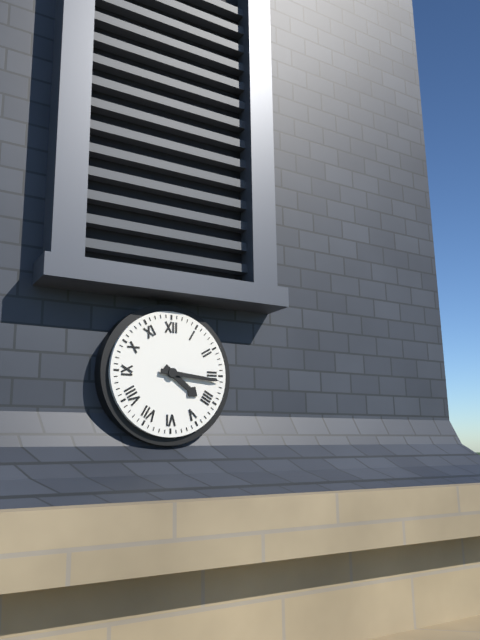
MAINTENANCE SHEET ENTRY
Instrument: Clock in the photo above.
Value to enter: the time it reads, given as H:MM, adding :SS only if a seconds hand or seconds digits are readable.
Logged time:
4:16
